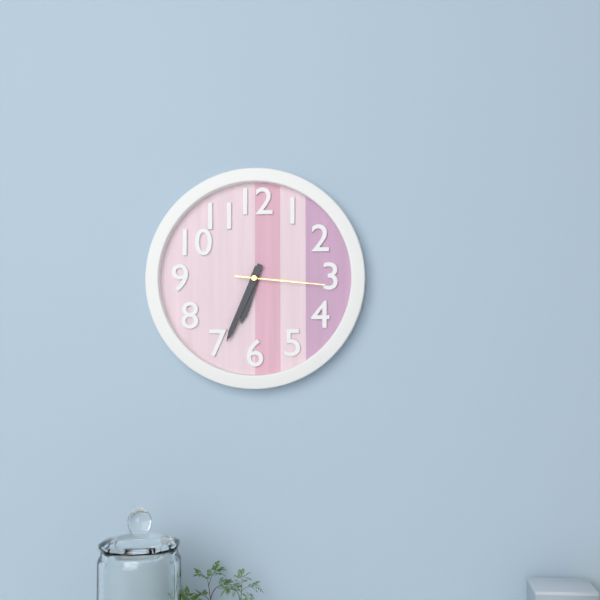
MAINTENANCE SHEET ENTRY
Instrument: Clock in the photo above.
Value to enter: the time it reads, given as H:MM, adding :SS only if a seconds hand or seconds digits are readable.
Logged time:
6:34:16
